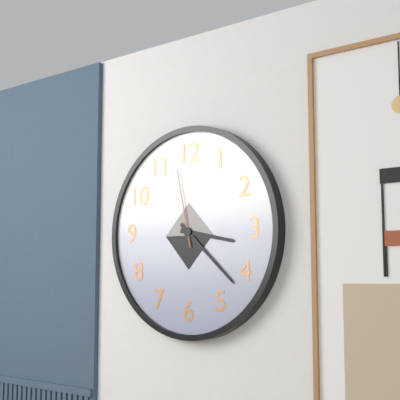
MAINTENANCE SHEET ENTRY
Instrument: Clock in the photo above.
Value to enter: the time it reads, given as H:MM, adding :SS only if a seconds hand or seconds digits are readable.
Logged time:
3:22:58
